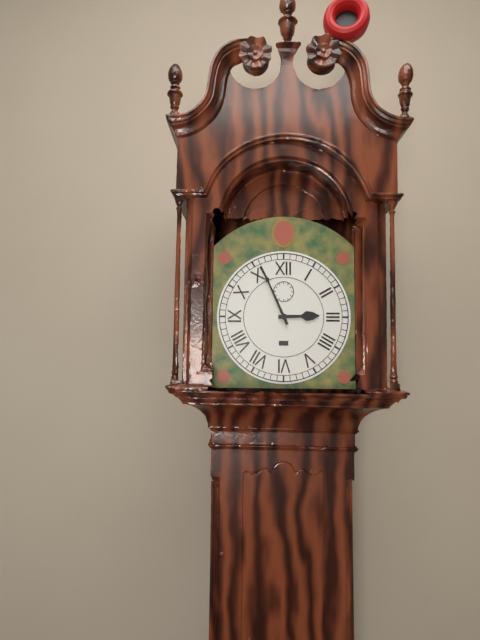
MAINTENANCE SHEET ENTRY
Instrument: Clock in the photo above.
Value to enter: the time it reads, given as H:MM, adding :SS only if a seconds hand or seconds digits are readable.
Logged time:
2:56
